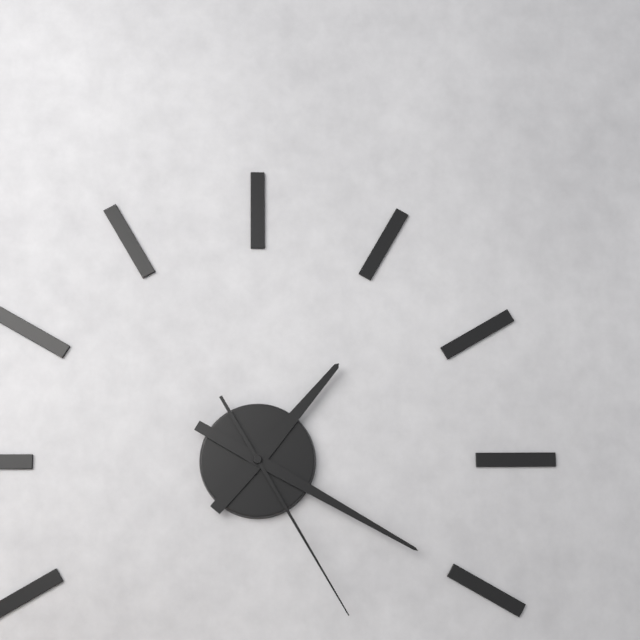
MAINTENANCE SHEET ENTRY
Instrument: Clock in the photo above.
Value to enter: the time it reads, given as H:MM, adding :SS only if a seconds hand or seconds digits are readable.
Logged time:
1:20:25
